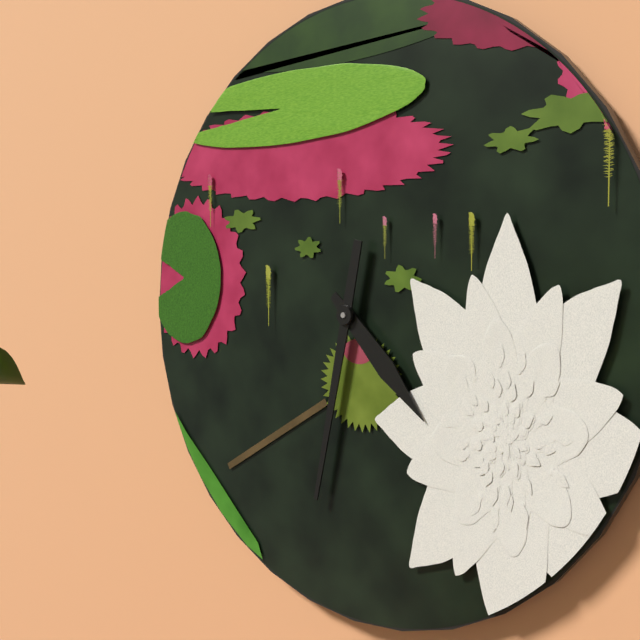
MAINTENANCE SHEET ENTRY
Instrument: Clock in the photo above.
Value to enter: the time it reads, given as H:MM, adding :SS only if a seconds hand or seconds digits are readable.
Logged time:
4:32
